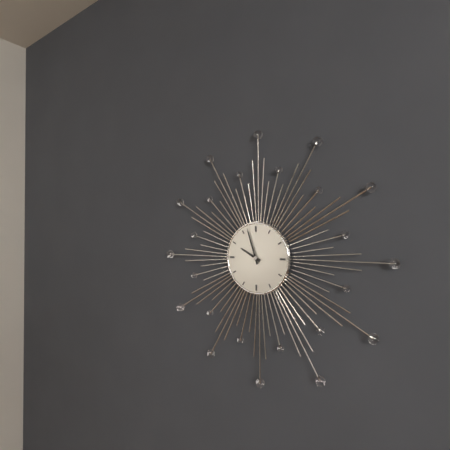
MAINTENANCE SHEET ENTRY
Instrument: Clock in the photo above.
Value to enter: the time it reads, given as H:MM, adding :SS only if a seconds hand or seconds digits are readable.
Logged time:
9:57
